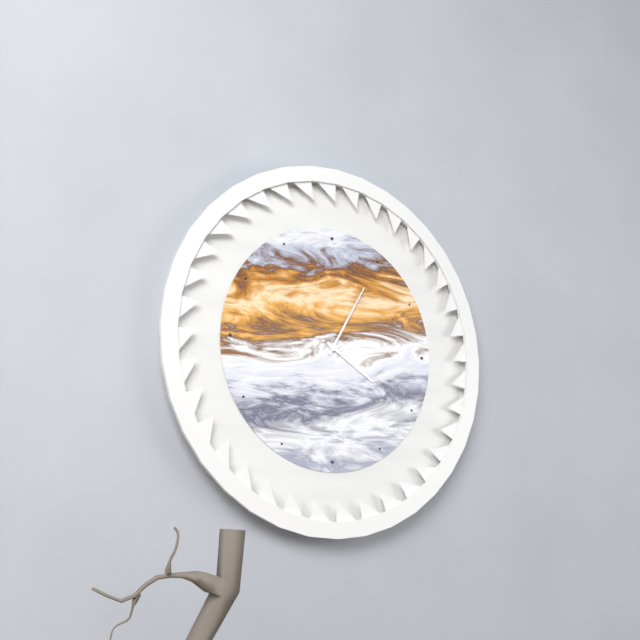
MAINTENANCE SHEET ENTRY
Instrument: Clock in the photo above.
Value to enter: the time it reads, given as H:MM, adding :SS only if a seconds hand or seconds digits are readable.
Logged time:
4:05
